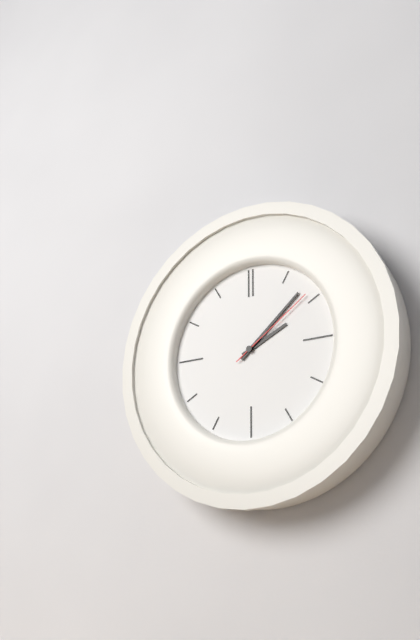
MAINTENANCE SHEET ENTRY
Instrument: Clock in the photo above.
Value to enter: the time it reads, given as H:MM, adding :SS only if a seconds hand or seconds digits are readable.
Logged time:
2:08:09
